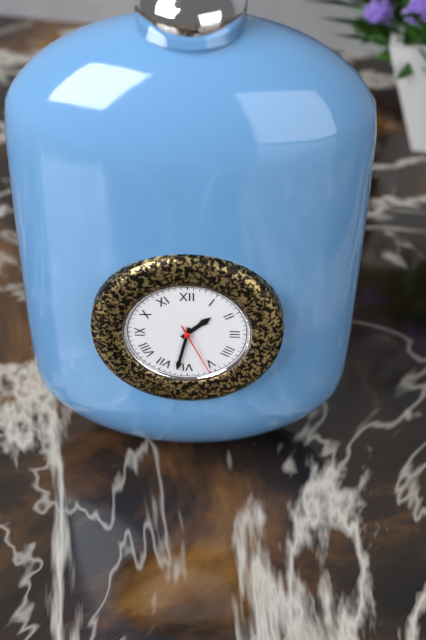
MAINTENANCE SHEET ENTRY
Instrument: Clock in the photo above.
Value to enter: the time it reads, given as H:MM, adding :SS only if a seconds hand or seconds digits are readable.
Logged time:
1:32:26
